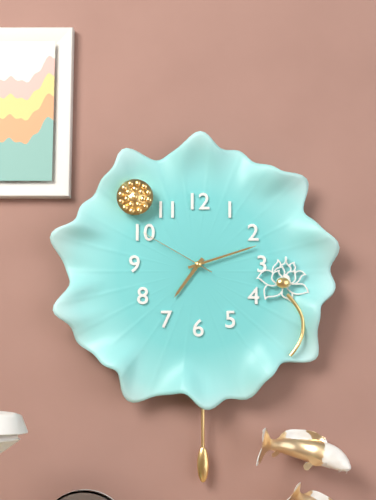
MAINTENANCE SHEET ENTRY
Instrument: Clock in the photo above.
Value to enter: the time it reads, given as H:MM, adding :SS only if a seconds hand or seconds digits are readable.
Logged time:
7:12:50
